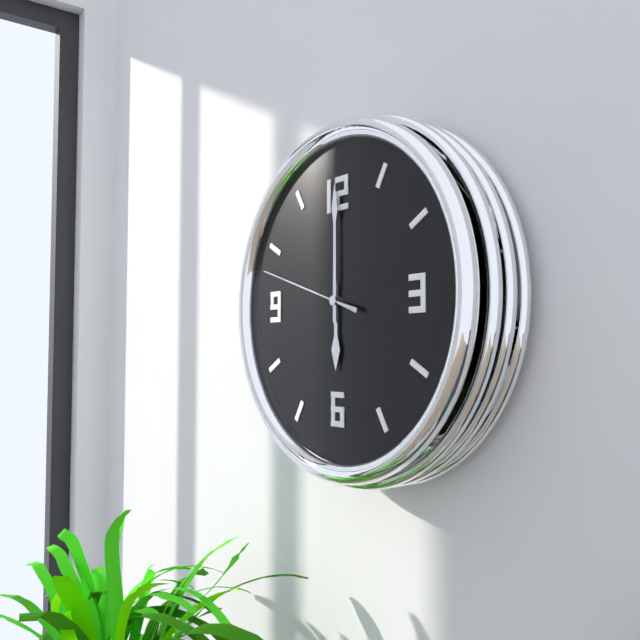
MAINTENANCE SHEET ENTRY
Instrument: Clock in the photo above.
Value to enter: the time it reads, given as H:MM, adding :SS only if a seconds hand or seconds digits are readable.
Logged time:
6:00:48
